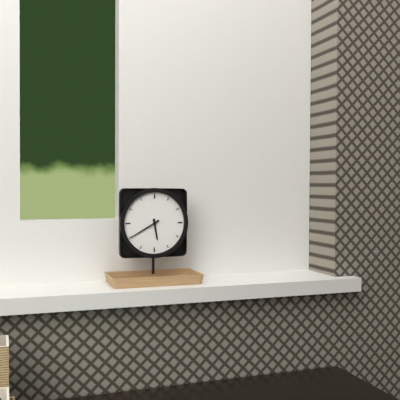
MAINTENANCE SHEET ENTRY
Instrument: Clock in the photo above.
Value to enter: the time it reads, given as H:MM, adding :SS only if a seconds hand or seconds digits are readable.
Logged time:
5:40
